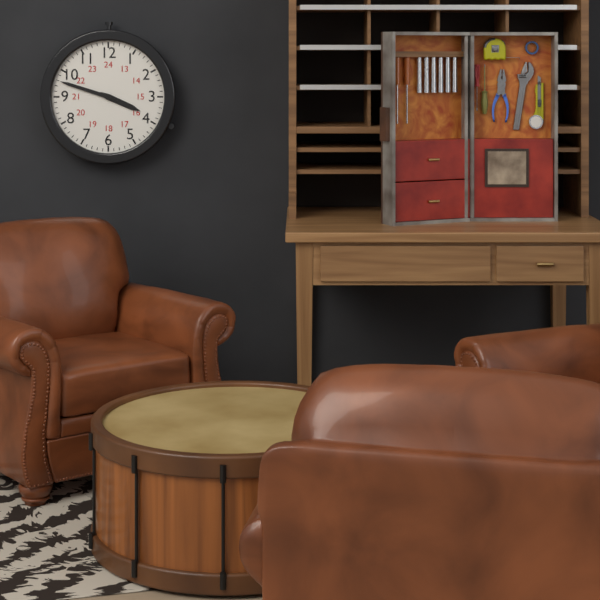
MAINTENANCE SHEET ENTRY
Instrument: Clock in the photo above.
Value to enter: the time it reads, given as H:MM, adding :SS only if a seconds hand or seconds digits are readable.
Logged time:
3:48
